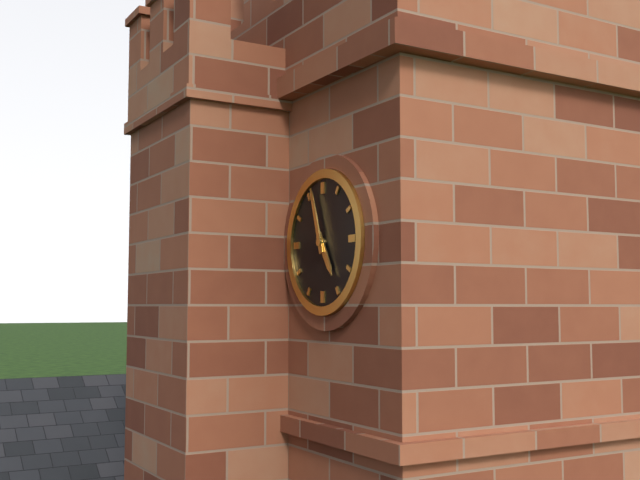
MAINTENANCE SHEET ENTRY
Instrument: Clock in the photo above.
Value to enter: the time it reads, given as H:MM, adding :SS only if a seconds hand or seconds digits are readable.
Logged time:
4:57
